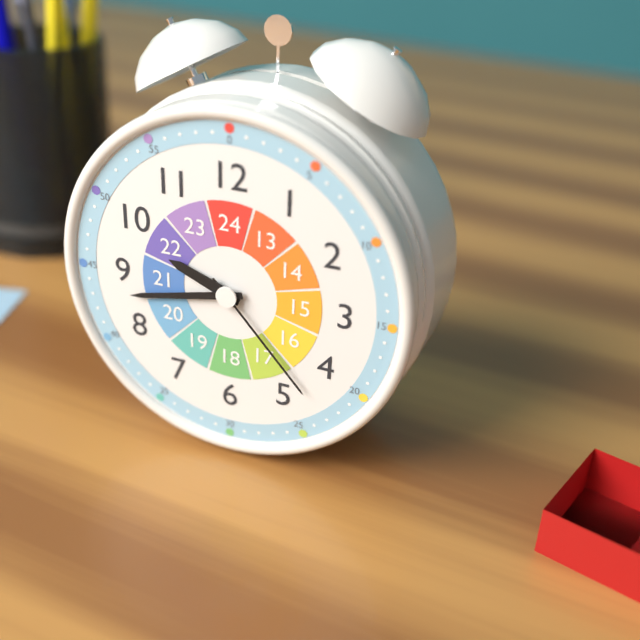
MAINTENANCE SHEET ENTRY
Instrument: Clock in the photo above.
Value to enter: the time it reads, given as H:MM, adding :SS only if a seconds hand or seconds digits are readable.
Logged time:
9:43:23
